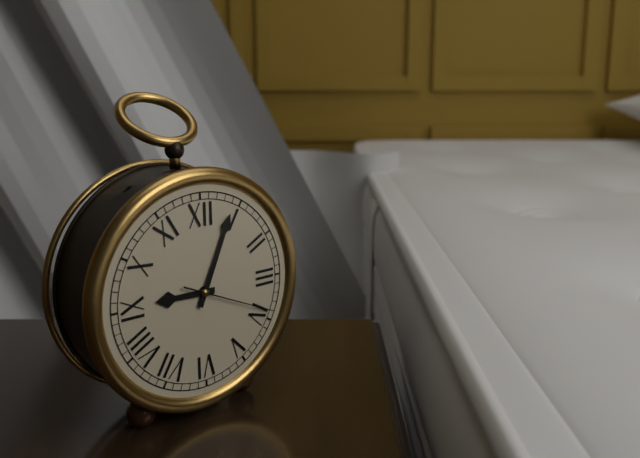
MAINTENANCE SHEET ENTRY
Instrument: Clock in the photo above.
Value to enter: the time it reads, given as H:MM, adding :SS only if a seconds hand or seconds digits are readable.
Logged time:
9:04:19
